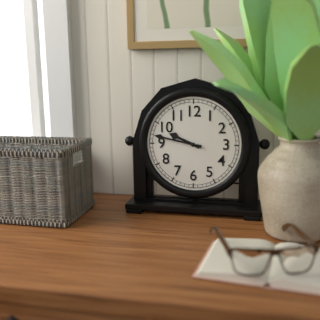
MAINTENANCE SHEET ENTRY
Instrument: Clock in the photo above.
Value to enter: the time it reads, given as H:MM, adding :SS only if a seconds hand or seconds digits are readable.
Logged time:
9:47
